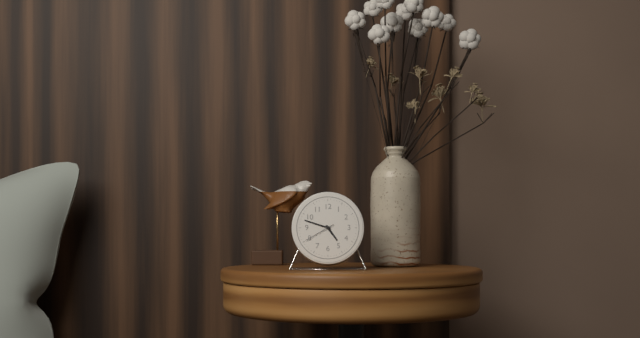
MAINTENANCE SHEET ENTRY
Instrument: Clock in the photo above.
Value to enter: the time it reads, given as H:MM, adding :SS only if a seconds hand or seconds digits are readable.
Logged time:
4:48
